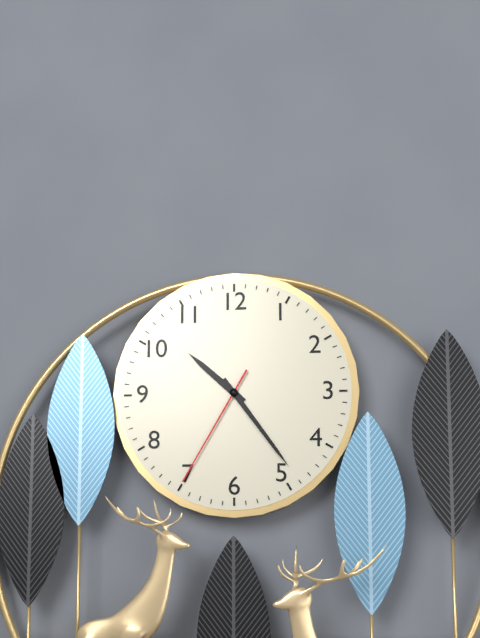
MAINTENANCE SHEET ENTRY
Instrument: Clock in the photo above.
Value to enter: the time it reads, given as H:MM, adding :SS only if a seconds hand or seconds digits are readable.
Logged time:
10:24:35
